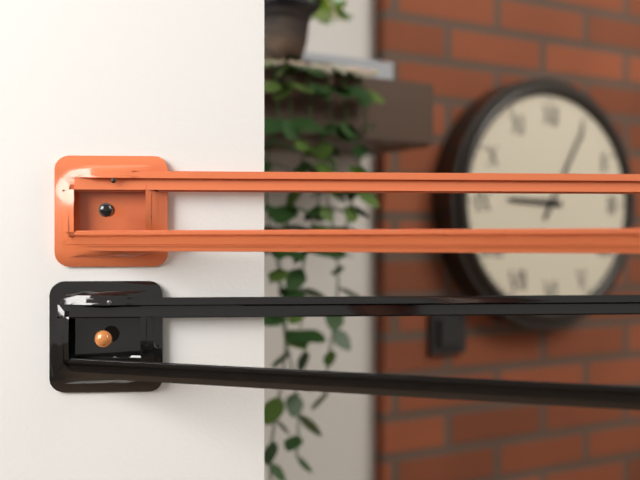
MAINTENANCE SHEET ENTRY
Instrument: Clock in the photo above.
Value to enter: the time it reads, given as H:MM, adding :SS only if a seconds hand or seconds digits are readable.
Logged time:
9:05
